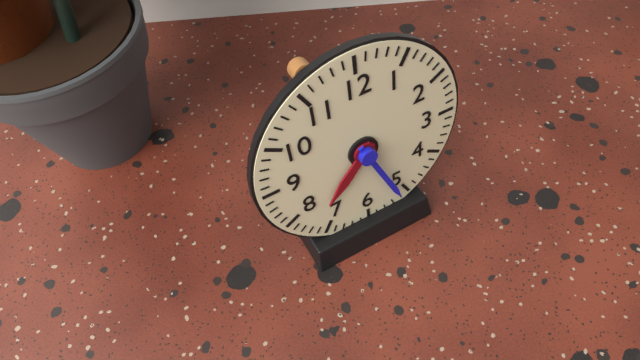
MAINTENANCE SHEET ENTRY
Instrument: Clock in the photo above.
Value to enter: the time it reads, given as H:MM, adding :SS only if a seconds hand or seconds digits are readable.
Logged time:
7:26
